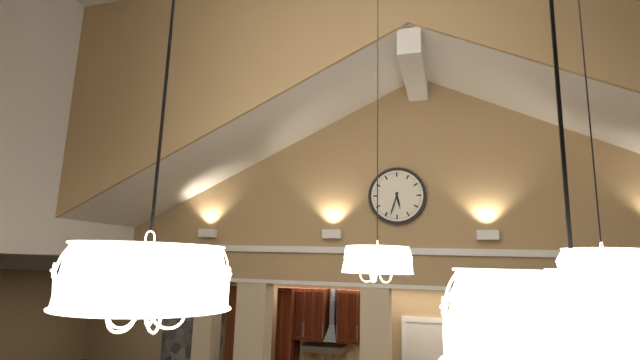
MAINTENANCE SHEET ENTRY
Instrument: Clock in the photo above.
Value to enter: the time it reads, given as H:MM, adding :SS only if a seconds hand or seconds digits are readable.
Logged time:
5:33
